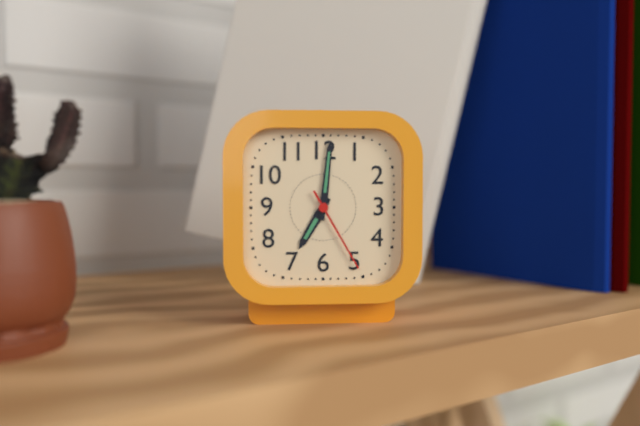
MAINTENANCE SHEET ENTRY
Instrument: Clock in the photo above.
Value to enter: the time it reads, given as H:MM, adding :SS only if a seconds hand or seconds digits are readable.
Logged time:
7:01:25
